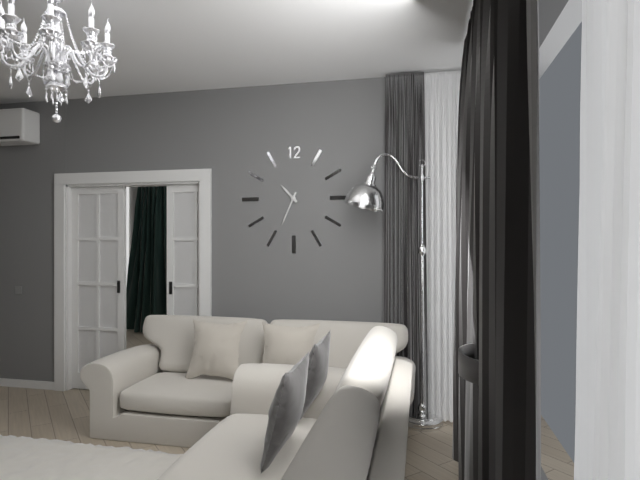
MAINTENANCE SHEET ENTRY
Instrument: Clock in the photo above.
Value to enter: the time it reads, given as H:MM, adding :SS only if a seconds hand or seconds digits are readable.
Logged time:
10:34
